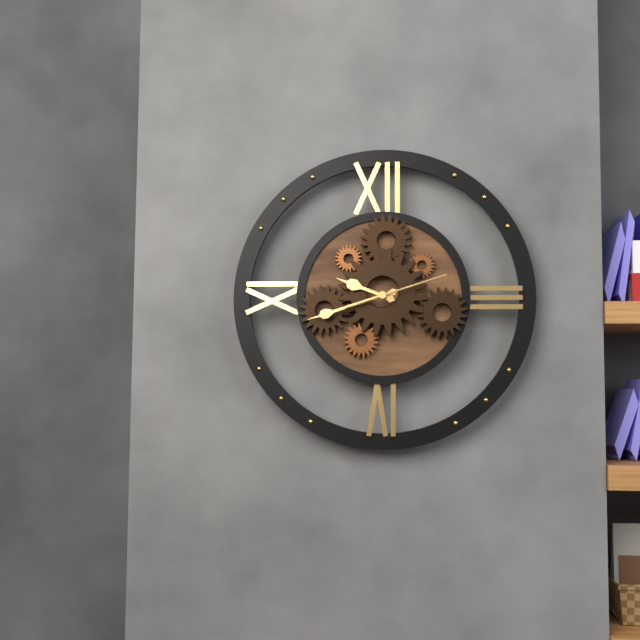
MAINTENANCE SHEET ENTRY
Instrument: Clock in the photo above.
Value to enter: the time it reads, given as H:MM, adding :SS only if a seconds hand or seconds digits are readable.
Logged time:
9:42:12
